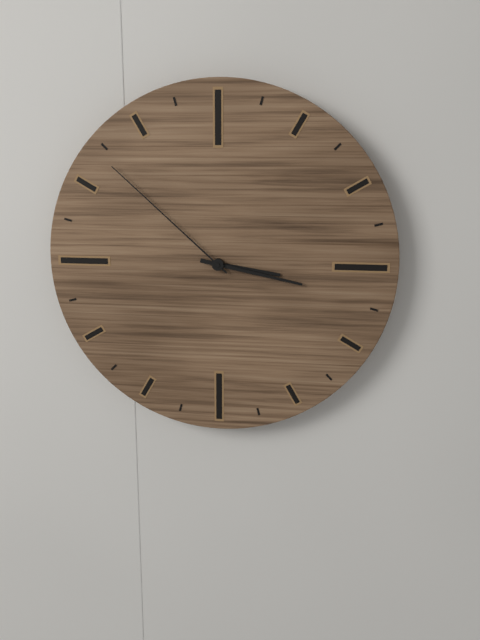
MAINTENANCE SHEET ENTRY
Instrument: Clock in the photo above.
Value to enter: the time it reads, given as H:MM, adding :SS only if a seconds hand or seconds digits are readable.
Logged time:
3:17:52
